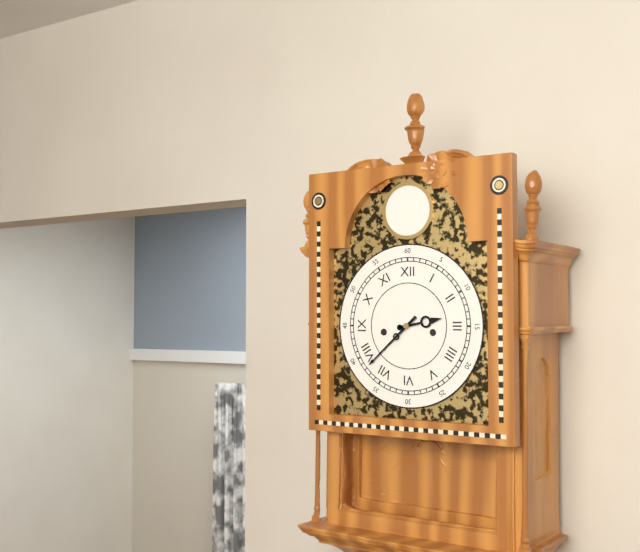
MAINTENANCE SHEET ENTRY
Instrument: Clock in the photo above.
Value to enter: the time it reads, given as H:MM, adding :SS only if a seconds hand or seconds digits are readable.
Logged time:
2:38
